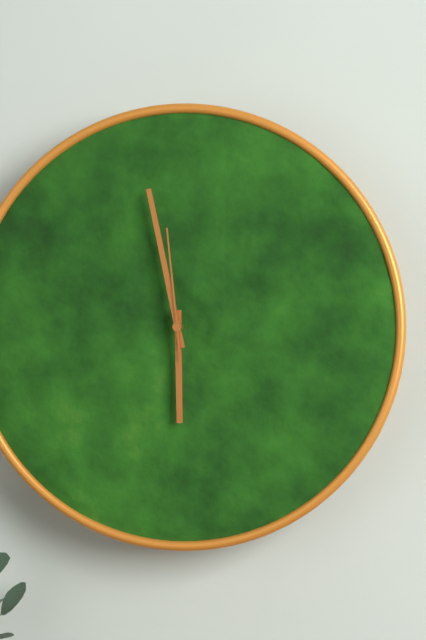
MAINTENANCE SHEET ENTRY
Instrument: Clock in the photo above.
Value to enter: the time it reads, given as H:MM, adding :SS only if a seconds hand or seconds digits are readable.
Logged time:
5:58:59
